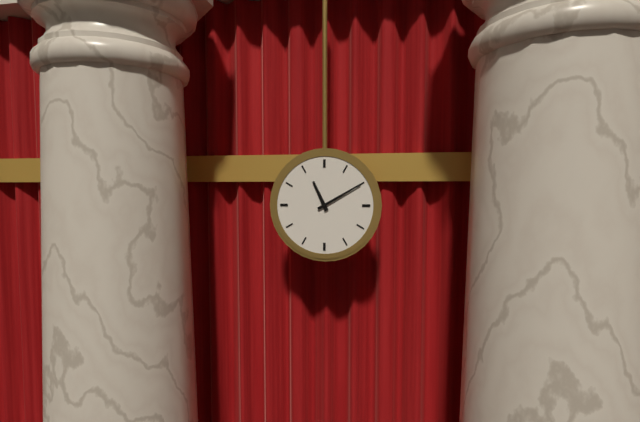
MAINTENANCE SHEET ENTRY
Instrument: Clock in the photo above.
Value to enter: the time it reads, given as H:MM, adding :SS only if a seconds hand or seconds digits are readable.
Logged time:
11:10
